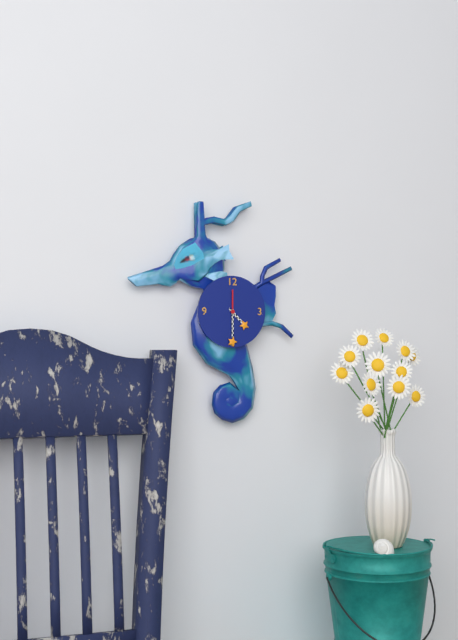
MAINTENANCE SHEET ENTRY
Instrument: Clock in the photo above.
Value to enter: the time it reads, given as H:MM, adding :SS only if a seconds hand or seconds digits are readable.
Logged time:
4:30
